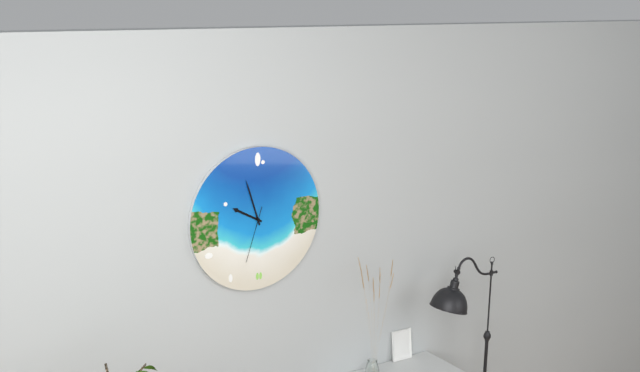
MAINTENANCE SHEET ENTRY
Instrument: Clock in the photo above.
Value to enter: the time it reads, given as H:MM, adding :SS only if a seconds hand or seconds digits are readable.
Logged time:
9:57:33
